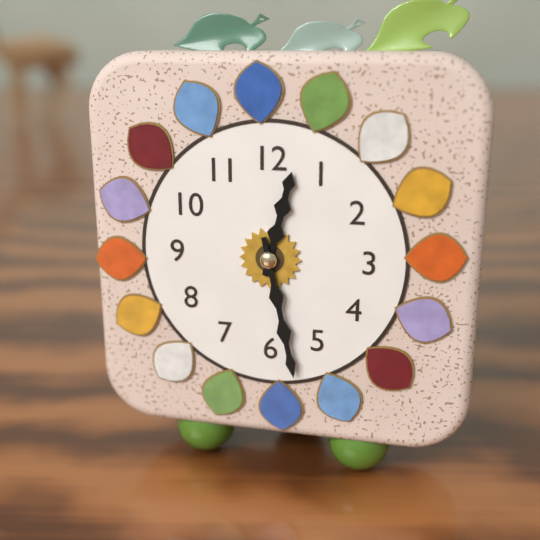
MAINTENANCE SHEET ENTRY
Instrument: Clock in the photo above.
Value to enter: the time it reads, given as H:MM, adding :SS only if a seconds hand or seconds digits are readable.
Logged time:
12:28
